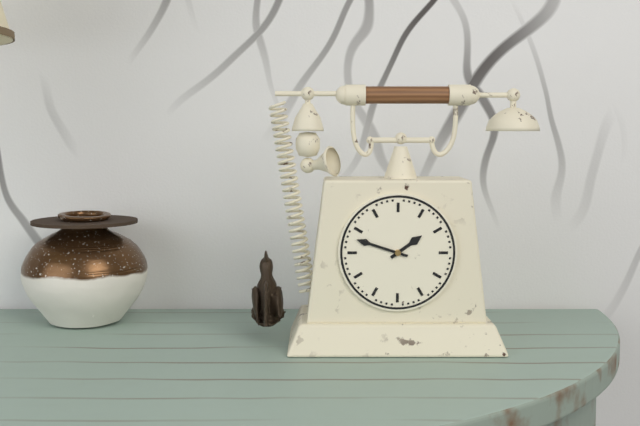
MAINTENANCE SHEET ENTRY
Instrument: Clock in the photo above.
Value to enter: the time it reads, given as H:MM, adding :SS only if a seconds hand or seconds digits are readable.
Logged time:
1:48
